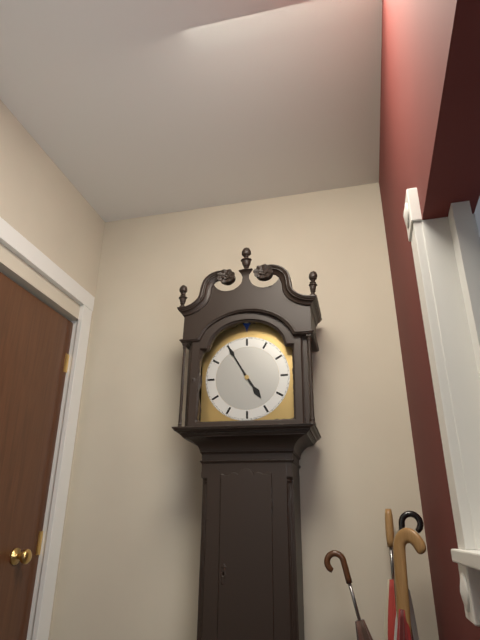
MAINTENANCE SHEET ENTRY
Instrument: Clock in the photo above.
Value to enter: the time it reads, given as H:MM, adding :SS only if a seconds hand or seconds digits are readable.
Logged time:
4:55
